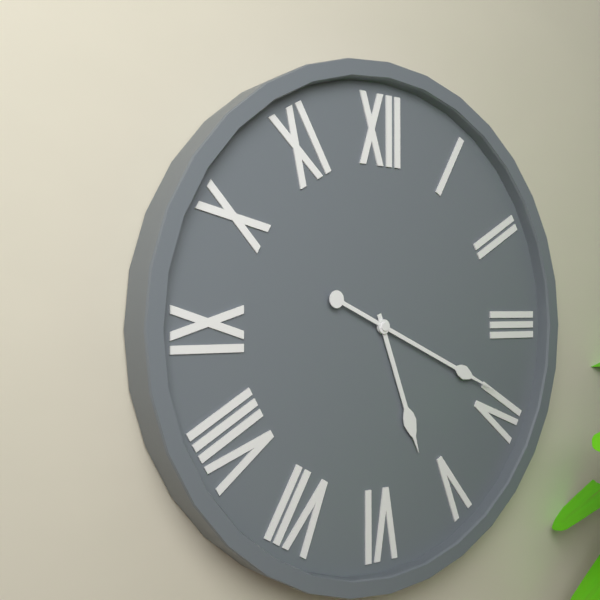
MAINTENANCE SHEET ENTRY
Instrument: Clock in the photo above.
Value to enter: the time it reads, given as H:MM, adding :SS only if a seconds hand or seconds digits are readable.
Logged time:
5:19
